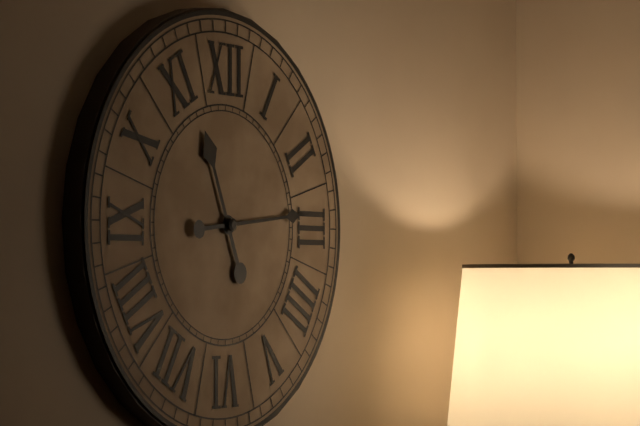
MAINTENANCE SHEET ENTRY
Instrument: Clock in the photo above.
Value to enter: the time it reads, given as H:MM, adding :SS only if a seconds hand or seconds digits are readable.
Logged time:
11:14
